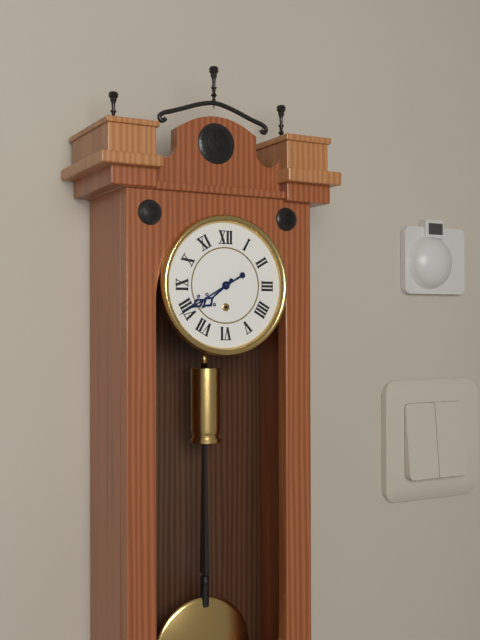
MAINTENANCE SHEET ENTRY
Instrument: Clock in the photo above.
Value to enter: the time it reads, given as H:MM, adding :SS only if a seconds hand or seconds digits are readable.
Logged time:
7:40
